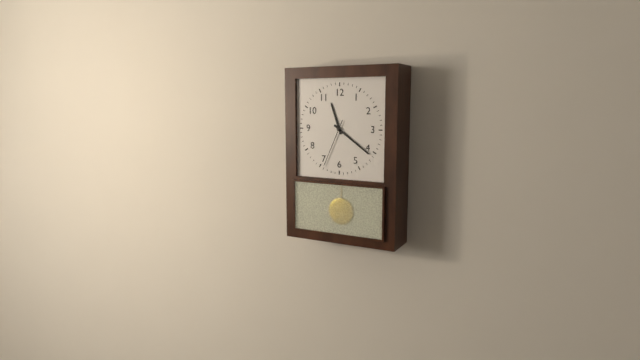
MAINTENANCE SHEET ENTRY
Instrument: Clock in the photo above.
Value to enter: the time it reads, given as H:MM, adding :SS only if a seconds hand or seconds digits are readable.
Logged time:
11:21:34
